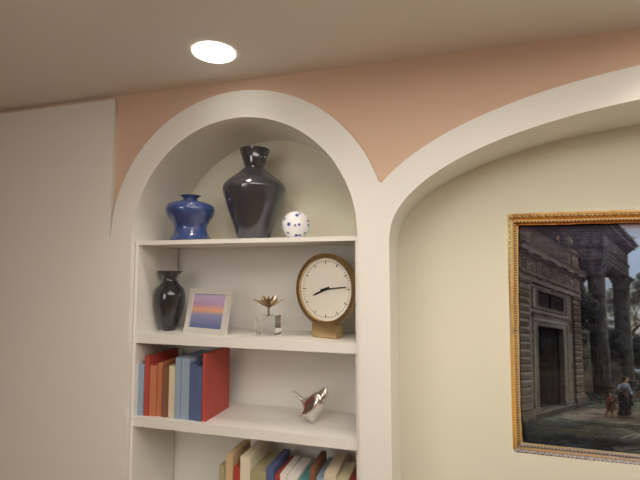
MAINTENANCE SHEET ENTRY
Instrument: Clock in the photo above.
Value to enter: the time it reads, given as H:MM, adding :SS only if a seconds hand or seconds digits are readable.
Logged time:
8:14
